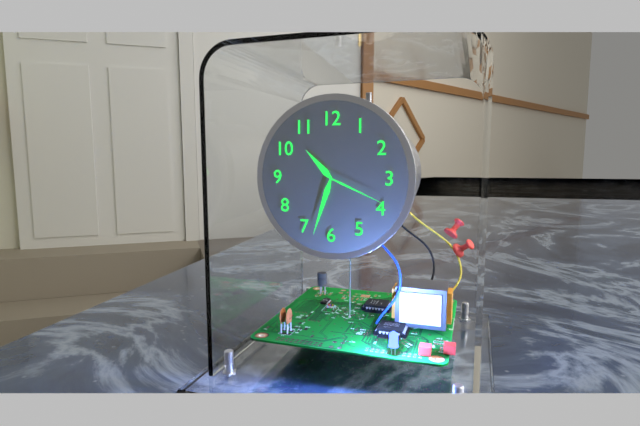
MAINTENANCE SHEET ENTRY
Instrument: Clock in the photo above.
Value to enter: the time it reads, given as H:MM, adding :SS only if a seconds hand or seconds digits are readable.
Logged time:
10:33:19
